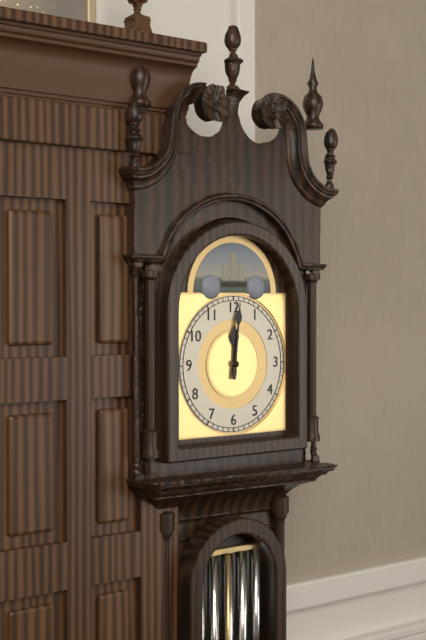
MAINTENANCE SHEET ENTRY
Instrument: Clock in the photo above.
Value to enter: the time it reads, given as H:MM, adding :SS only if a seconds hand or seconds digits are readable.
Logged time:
12:01
